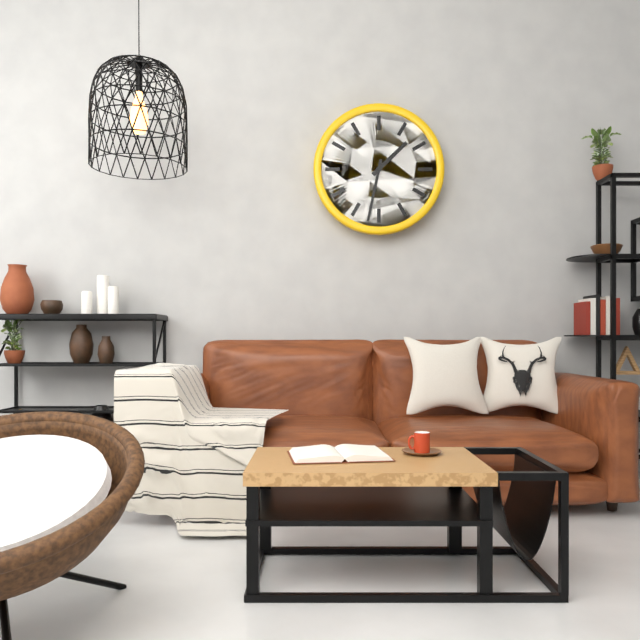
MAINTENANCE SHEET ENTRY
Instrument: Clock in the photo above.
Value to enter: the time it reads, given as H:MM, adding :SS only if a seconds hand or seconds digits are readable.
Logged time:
1:32
